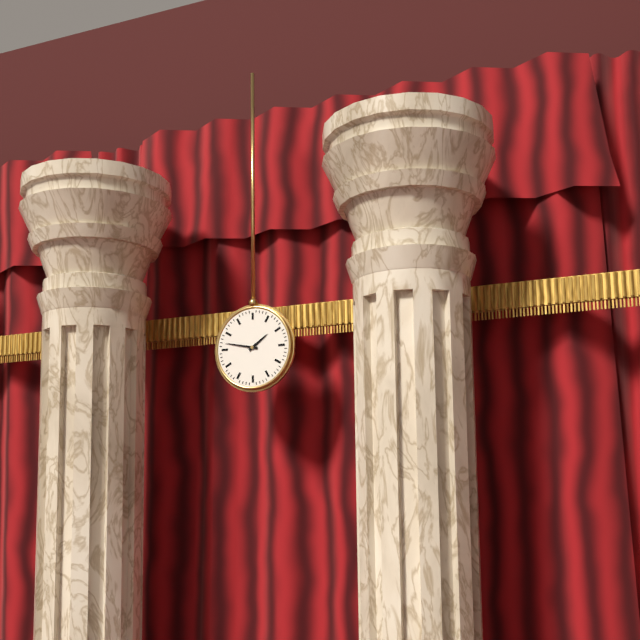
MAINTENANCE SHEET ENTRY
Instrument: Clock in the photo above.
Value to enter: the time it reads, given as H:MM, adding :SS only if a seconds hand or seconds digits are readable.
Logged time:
1:47
